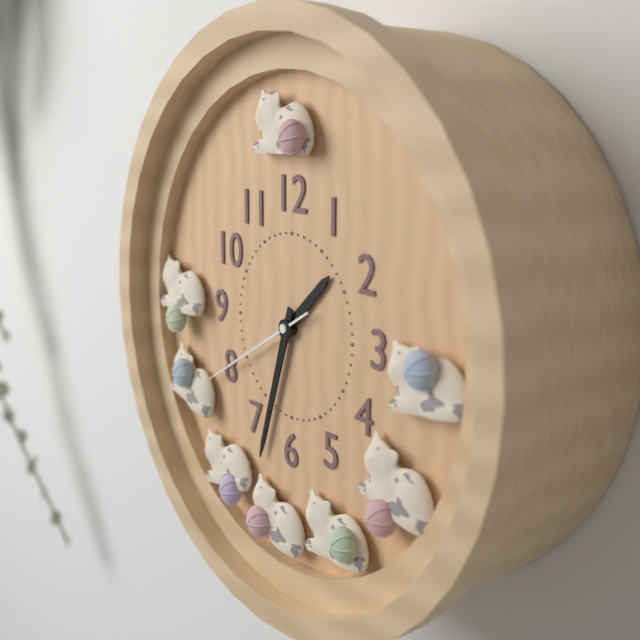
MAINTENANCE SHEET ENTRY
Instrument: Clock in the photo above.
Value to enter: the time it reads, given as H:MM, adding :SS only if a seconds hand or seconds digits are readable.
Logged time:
1:33:40
